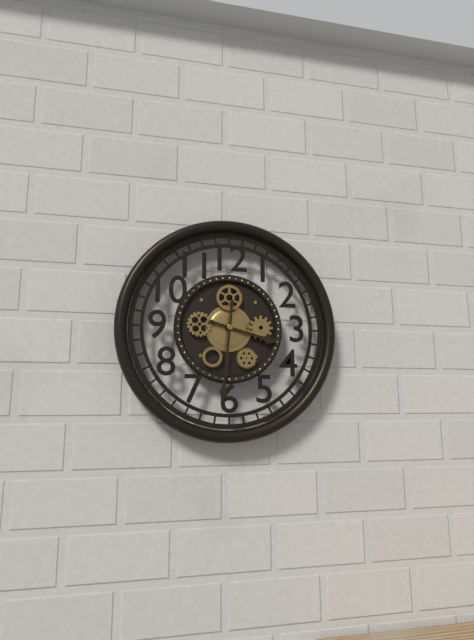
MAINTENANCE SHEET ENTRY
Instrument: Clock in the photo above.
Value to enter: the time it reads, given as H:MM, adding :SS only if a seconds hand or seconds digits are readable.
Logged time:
3:31
